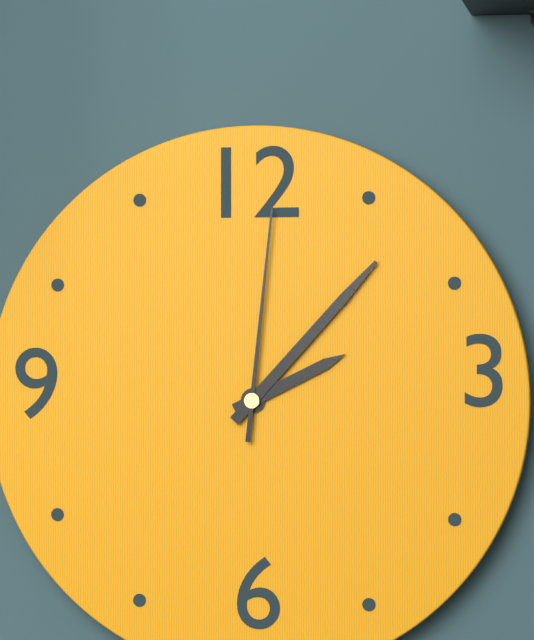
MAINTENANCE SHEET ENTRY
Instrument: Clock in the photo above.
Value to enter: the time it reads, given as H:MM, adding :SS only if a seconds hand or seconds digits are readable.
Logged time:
2:07:01
